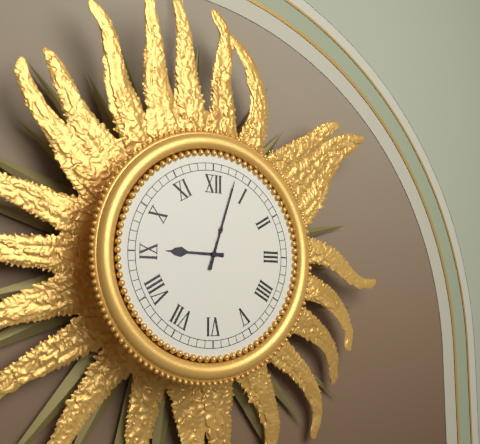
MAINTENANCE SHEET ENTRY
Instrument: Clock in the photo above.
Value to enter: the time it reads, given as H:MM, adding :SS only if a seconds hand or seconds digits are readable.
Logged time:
9:03
